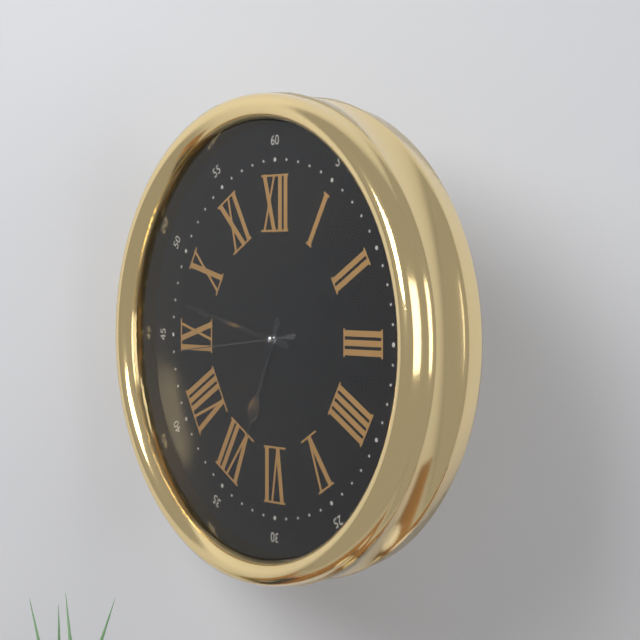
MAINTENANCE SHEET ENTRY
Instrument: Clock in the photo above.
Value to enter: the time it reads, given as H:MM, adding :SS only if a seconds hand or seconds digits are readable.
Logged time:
6:47:44
